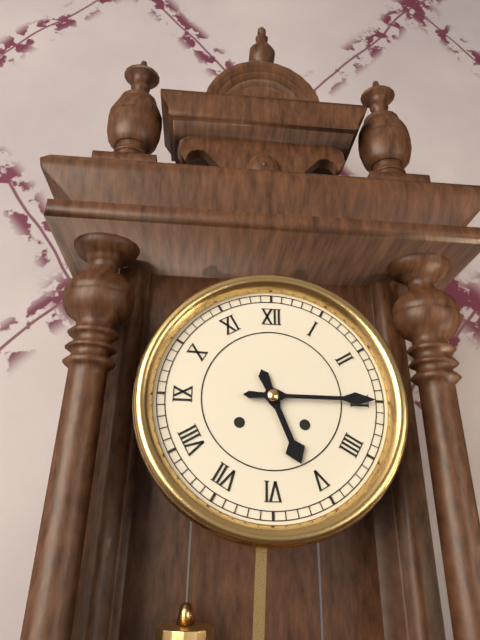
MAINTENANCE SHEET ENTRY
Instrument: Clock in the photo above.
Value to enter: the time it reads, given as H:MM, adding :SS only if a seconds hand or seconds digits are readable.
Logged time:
5:15
